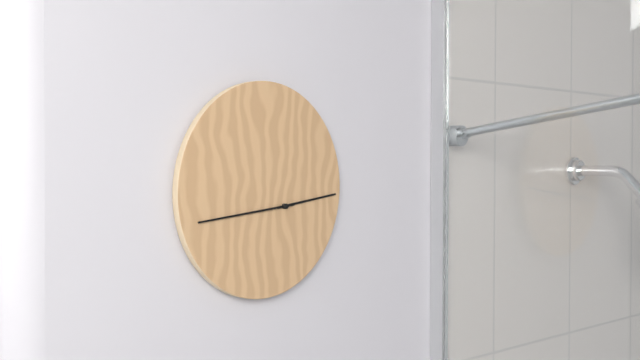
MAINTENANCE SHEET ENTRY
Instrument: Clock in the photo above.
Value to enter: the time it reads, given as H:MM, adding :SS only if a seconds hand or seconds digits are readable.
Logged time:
2:44
